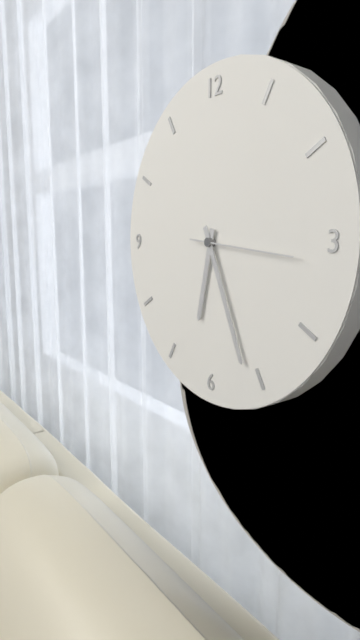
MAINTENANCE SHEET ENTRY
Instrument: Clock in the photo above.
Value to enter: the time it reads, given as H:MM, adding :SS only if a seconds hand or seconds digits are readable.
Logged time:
6:26:16
